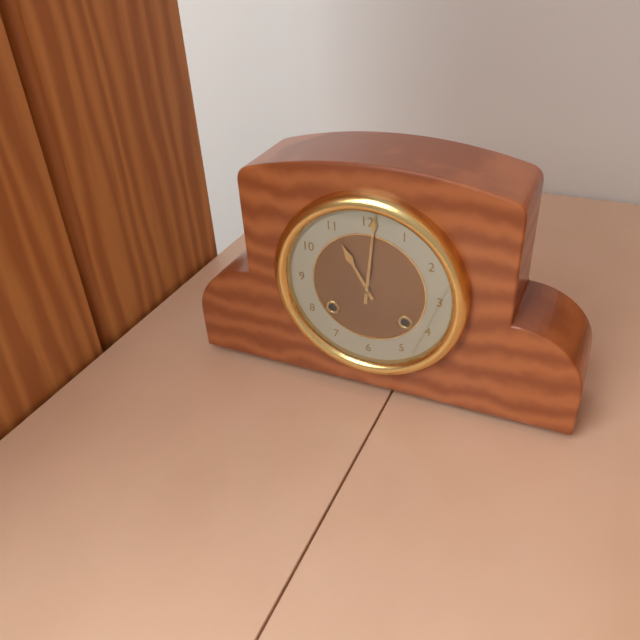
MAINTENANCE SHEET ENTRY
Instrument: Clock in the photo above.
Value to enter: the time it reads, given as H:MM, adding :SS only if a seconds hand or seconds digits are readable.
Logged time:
11:01
